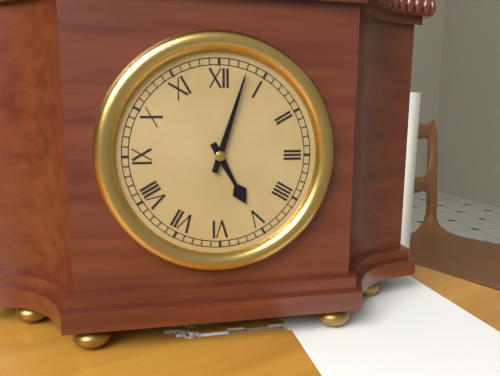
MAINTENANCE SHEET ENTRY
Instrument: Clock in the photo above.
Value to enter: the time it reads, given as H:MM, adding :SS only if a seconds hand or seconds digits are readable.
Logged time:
5:03
